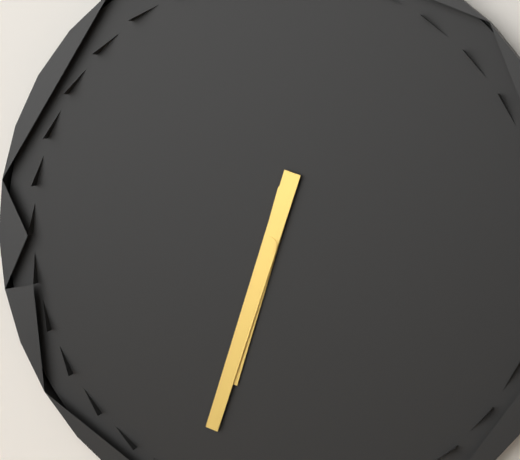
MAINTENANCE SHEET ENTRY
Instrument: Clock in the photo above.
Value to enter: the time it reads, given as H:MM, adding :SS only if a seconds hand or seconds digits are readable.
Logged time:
6:33
